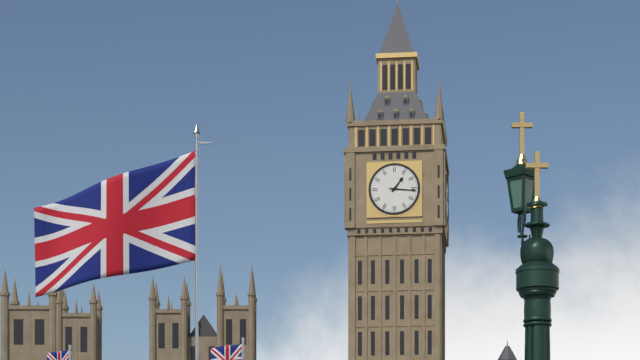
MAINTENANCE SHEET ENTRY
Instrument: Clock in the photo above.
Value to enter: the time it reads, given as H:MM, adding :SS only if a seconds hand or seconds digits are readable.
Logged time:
1:16
